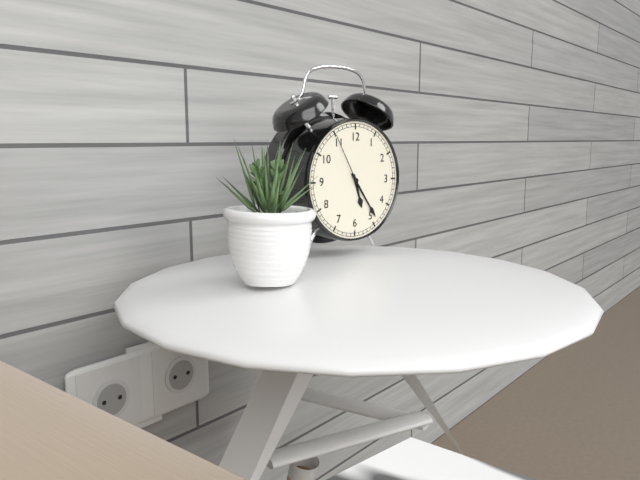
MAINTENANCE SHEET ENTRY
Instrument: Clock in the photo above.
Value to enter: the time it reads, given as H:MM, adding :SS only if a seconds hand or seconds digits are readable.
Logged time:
5:24:55
